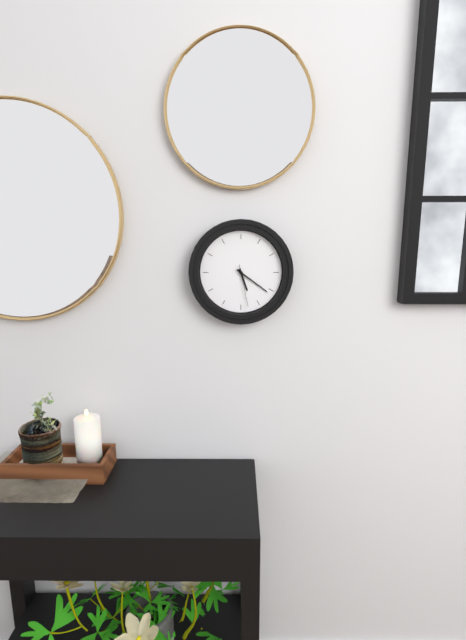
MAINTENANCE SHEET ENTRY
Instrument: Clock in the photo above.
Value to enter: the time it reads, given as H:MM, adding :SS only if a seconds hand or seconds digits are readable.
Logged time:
5:21
